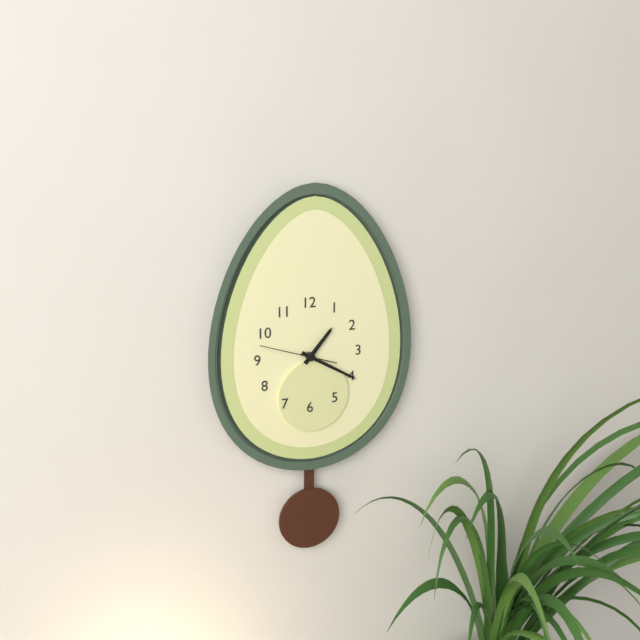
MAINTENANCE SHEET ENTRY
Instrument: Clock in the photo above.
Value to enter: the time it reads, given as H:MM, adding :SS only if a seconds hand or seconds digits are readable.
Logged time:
1:20:48
